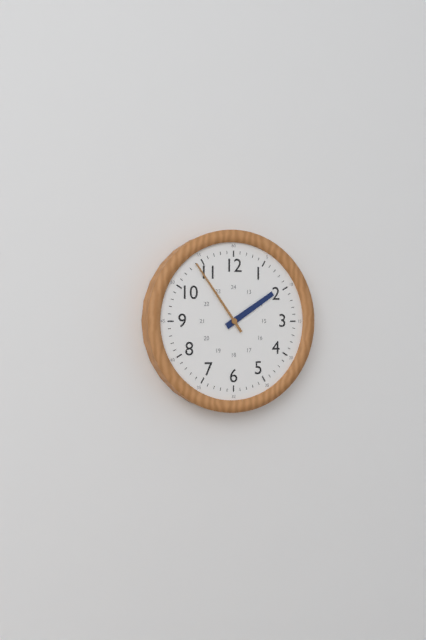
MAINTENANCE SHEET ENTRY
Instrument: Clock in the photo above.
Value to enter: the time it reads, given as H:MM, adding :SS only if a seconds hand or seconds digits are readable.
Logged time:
1:54
